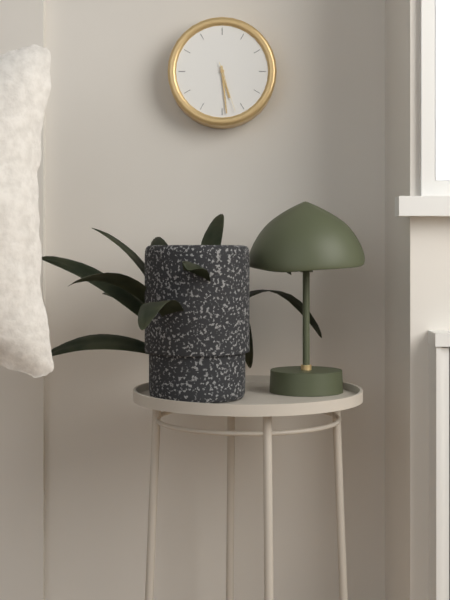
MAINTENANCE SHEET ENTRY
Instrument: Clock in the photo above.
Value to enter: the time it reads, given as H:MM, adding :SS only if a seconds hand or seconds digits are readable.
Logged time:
5:29:27
